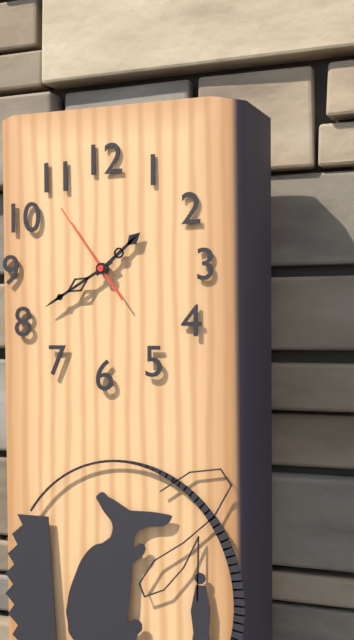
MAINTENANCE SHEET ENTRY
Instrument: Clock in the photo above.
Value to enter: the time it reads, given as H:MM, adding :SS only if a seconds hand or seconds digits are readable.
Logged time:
1:40:54
